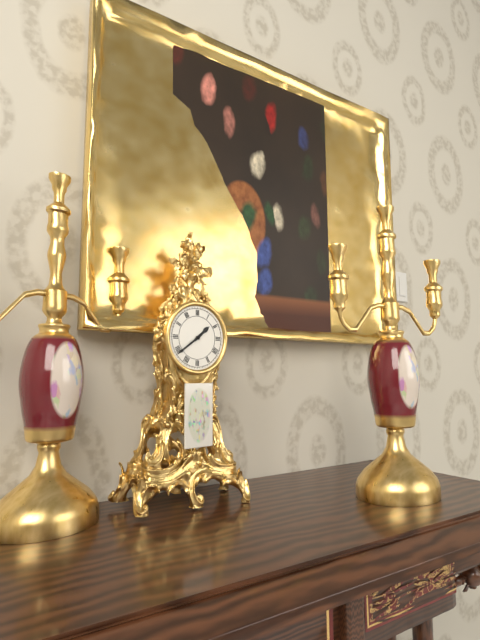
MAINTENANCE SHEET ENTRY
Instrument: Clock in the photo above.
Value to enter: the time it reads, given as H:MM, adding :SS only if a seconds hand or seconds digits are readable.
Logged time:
1:39
